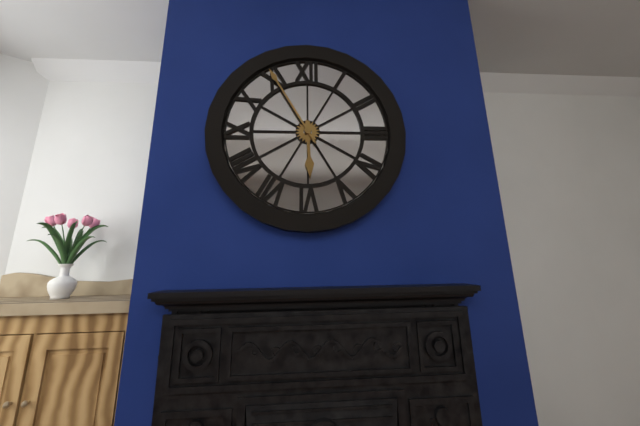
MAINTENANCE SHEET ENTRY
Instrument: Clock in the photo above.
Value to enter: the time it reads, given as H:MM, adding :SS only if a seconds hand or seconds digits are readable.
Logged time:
5:55
